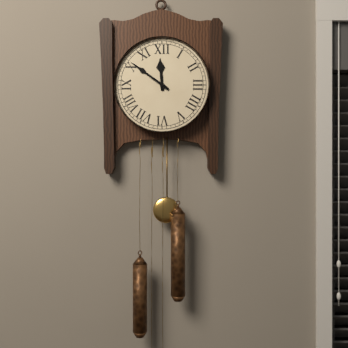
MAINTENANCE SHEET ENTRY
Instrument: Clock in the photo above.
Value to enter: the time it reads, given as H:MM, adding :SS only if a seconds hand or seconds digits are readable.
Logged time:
11:51
